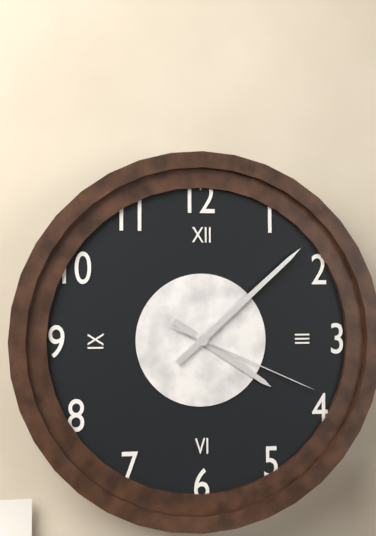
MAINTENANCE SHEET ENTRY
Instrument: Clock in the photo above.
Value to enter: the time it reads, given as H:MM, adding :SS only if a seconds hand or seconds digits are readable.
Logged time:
4:08:19
